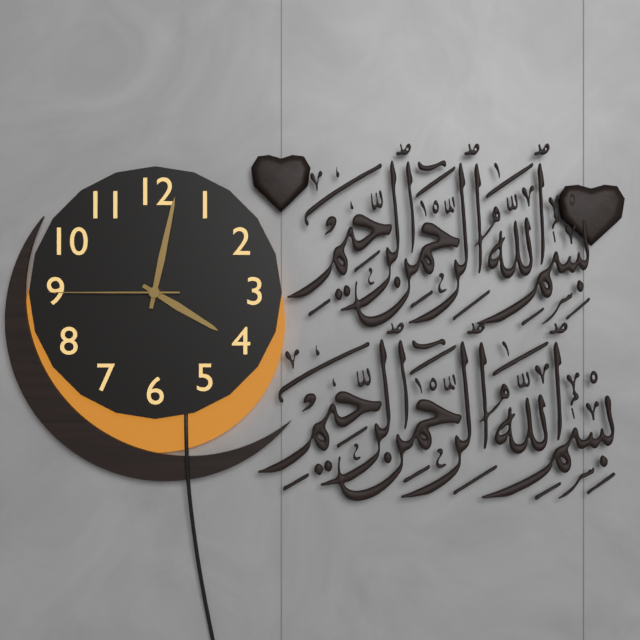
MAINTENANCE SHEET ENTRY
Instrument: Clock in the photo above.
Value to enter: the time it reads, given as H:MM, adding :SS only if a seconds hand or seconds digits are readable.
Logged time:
4:02:45
